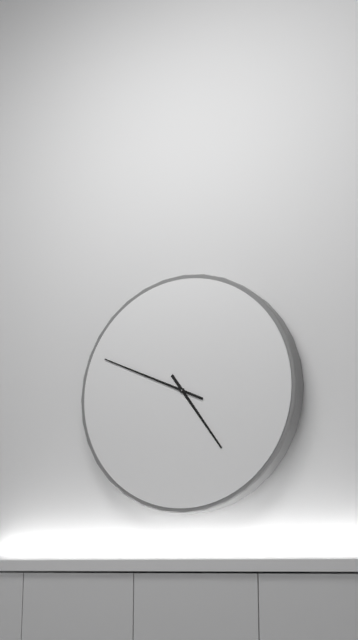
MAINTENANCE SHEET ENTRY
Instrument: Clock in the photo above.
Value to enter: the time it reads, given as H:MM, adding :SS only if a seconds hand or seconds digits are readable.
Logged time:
4:49
